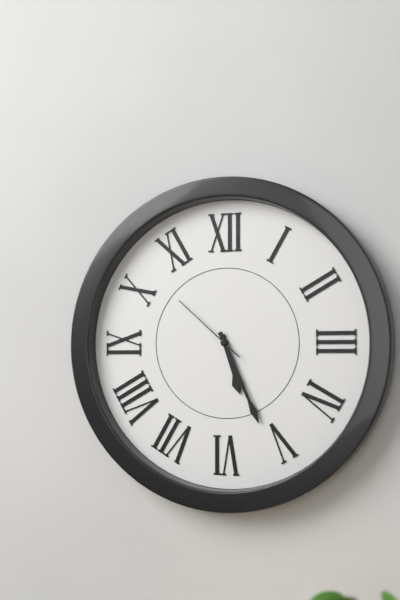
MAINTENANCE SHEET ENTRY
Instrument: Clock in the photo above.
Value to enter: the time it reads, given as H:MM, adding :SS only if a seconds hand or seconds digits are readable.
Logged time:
5:26:52
